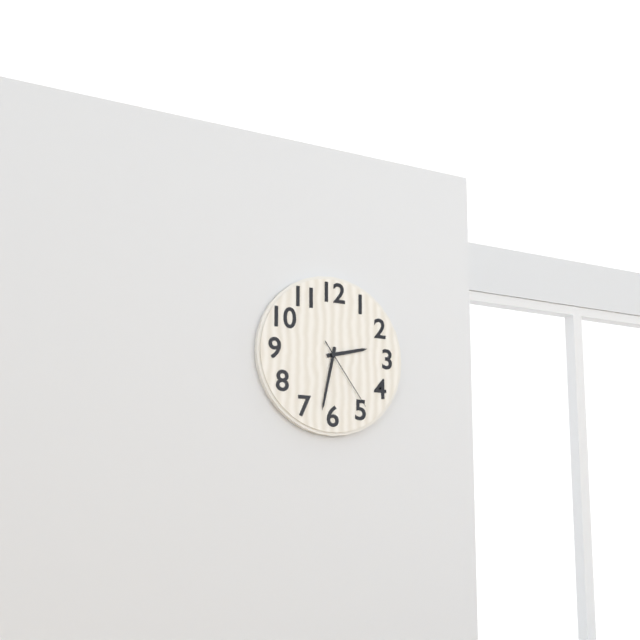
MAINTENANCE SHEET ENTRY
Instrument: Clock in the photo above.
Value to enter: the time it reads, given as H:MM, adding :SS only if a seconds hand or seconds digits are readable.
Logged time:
2:32:24
